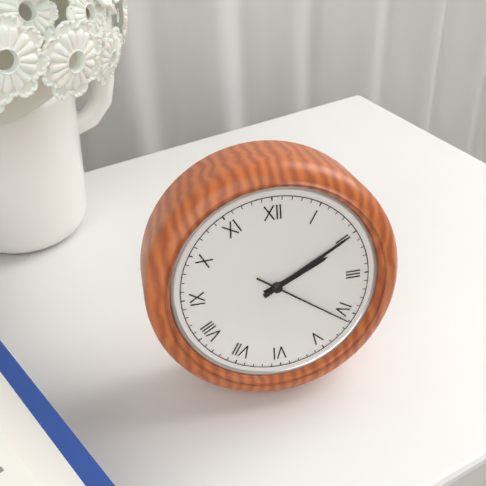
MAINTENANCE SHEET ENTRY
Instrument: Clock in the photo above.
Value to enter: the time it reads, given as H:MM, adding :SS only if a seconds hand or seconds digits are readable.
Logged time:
2:10:21
